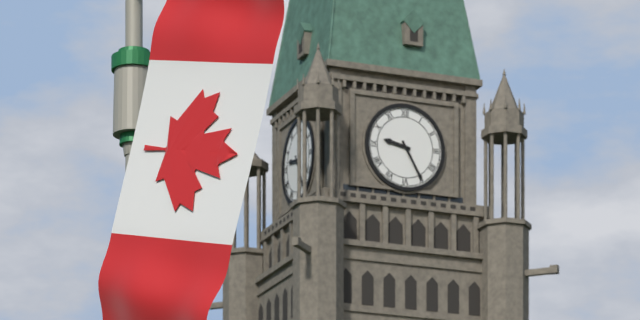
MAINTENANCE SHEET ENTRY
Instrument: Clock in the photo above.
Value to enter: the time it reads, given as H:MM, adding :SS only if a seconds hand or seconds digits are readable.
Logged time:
9:25
